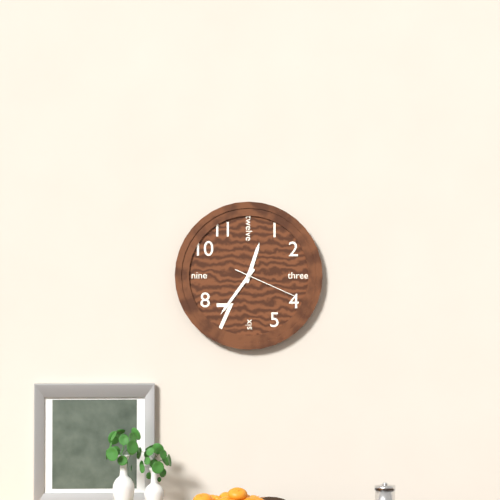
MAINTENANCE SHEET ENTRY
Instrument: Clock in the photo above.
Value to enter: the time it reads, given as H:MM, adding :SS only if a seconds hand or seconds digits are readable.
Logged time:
12:36:19
